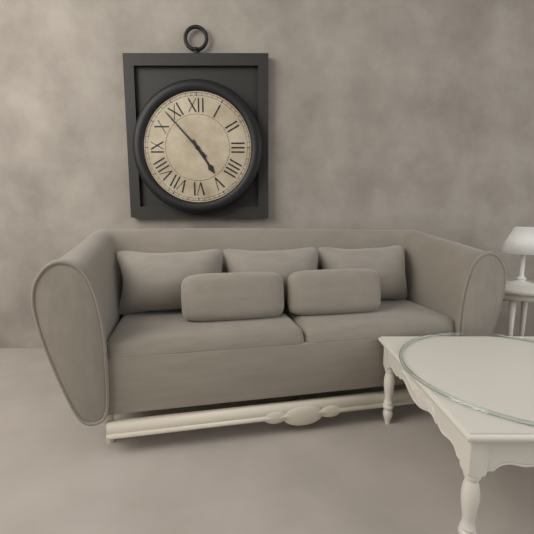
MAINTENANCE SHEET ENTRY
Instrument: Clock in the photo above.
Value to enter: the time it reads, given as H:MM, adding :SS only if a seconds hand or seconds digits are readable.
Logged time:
4:53
